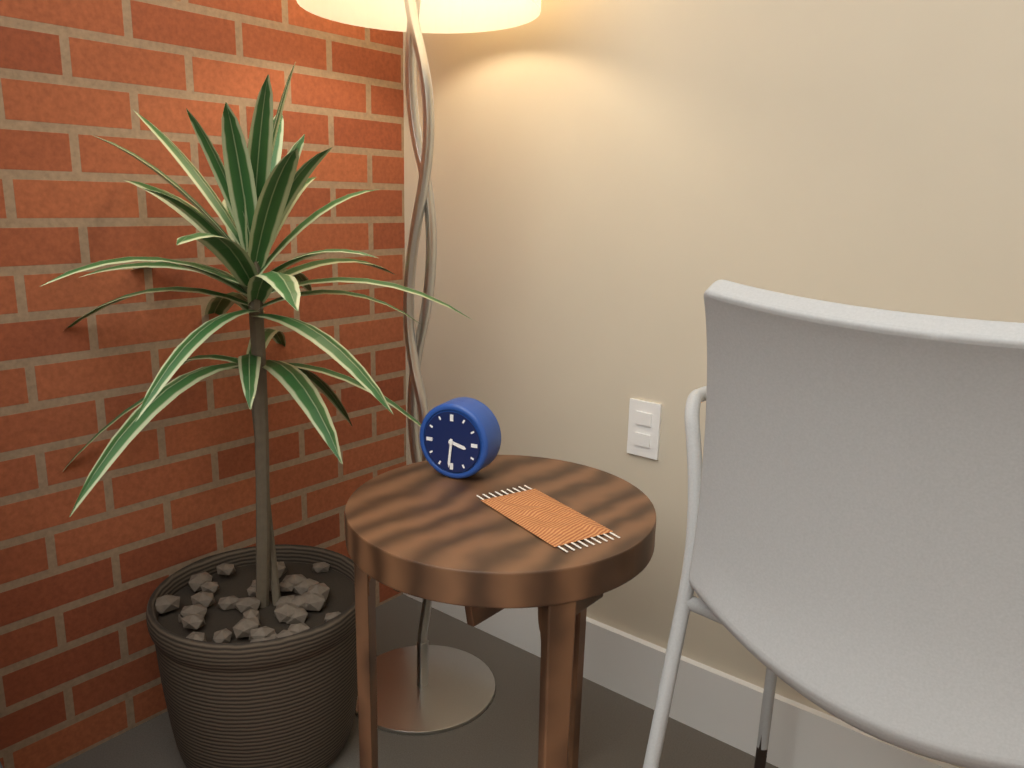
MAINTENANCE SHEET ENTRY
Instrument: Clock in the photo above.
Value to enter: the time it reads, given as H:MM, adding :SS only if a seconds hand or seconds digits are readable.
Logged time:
3:31
